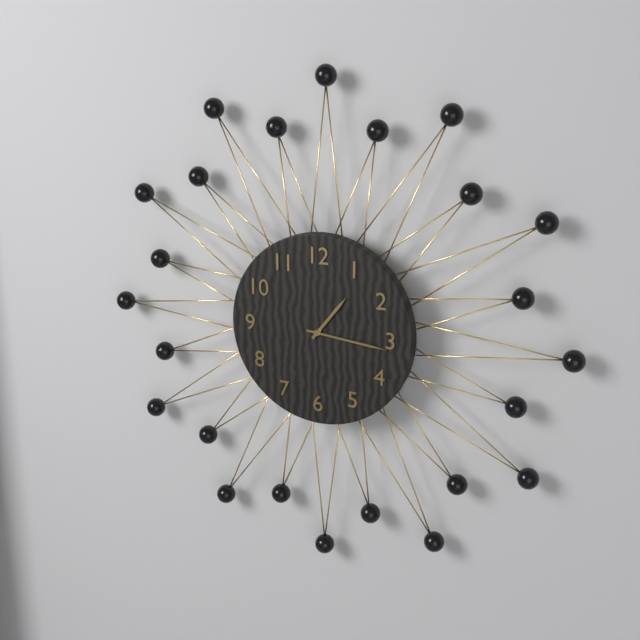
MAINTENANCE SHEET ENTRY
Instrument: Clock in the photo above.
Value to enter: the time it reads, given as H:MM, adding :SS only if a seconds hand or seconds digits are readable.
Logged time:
1:16
